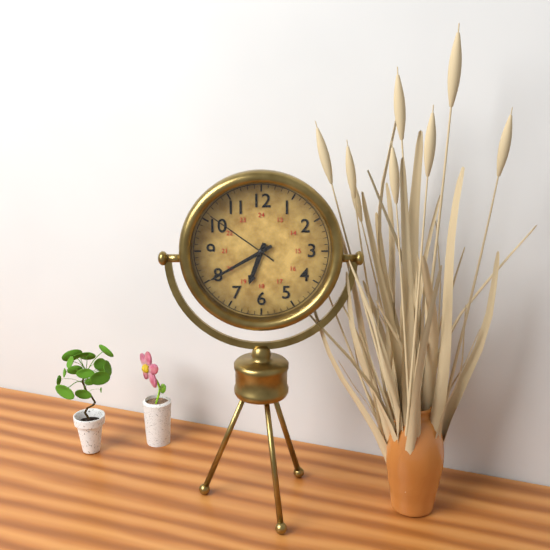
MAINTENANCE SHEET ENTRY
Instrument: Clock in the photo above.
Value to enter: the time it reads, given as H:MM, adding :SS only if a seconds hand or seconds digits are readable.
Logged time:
6:40:51
